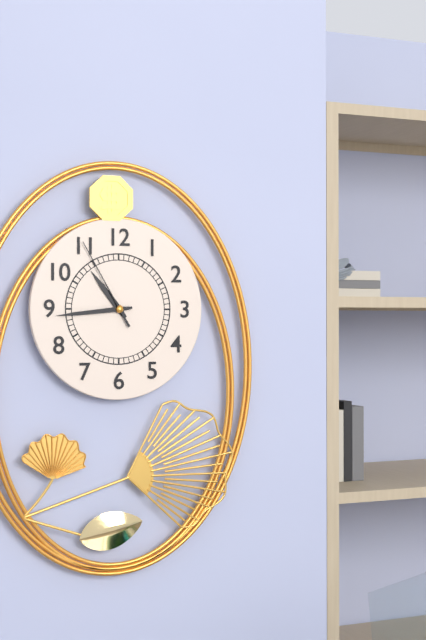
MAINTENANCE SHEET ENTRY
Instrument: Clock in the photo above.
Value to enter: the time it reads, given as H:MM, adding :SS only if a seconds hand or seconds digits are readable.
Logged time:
10:44:55
